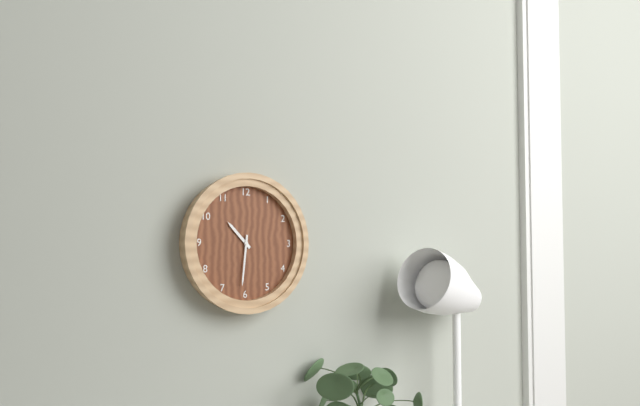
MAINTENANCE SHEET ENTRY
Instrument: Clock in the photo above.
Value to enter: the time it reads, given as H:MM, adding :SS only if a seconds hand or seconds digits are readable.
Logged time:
10:31
